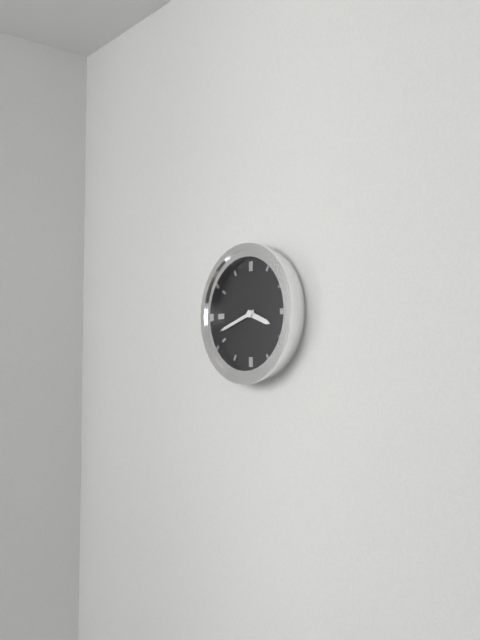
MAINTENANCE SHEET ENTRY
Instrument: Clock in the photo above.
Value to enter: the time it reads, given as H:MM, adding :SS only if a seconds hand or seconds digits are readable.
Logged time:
3:42
